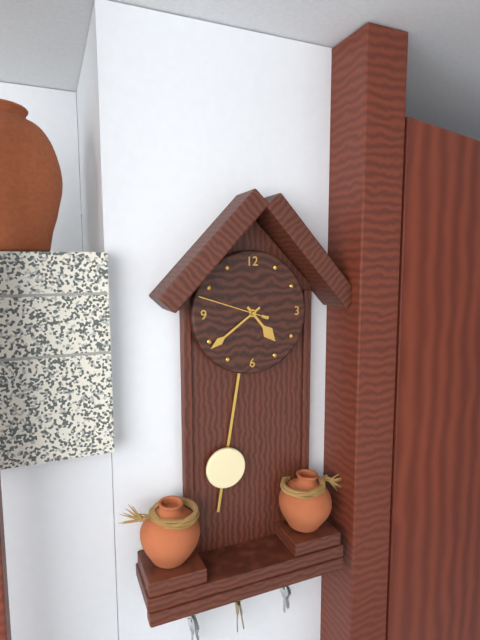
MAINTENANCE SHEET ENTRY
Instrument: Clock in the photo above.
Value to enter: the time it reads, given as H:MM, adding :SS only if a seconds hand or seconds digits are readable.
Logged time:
4:39:48
